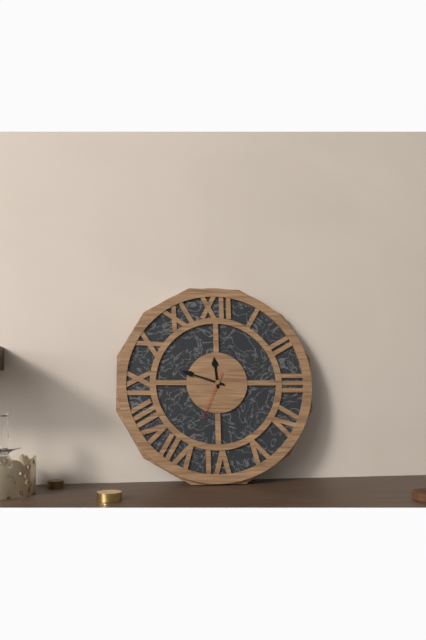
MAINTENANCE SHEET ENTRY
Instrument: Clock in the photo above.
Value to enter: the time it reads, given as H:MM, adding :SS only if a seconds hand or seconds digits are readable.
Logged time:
11:48
